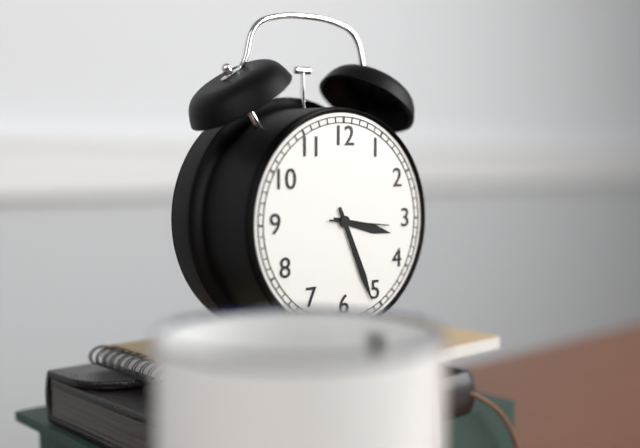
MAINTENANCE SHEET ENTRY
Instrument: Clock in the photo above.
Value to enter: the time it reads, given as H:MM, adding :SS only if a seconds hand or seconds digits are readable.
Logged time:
3:26:16
